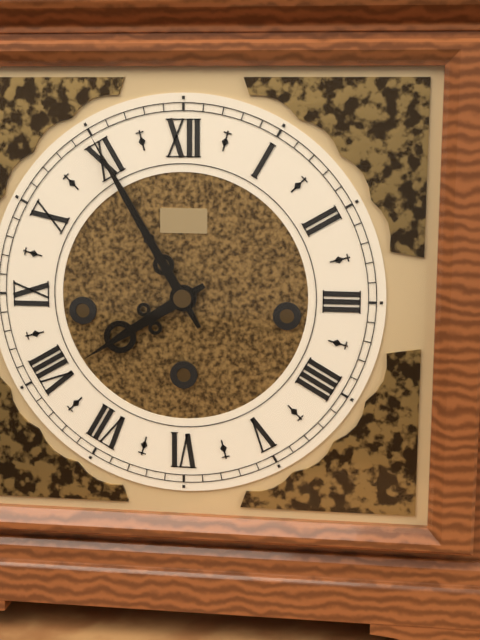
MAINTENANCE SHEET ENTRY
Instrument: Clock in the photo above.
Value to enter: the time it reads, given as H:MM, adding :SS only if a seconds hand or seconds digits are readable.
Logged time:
7:55
